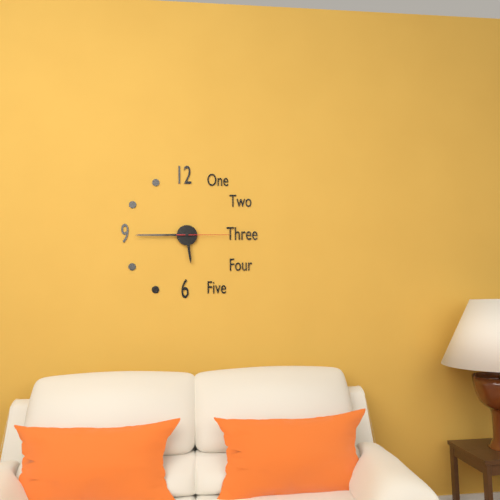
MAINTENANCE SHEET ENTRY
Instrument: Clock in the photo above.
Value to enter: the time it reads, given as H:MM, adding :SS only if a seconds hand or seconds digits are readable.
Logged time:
5:45:15
